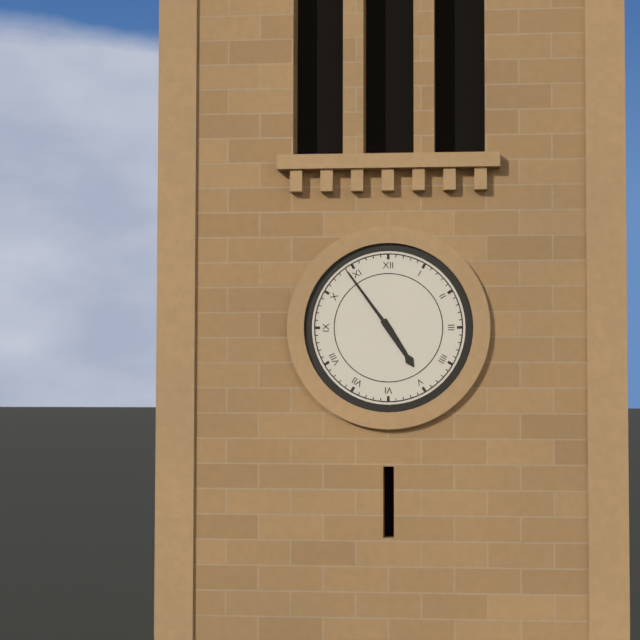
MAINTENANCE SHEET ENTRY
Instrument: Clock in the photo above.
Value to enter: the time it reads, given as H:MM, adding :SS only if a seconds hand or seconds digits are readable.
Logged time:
4:54
